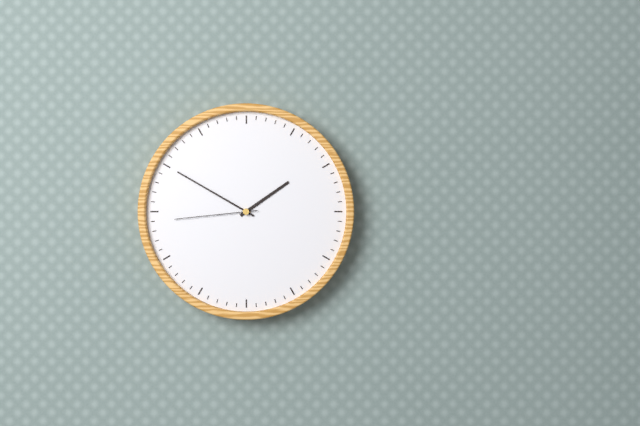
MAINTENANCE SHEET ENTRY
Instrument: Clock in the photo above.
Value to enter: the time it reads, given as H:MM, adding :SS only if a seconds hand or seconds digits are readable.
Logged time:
1:50:44
